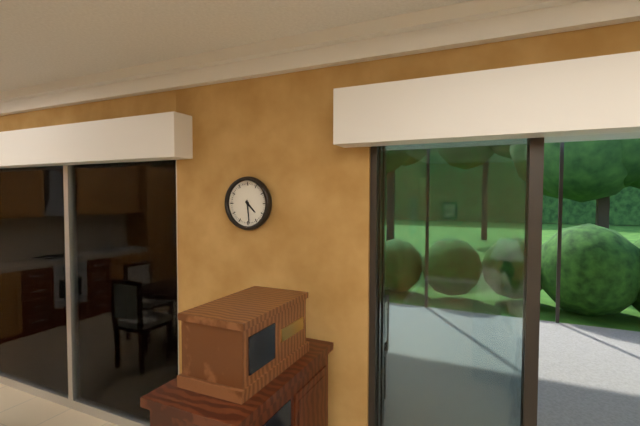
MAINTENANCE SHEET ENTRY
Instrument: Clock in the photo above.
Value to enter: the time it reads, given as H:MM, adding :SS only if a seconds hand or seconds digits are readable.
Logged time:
4:29
